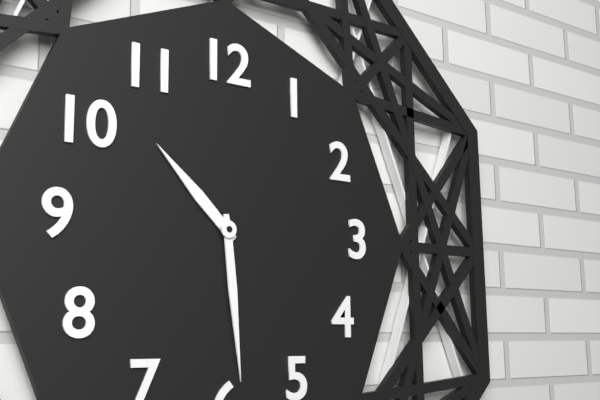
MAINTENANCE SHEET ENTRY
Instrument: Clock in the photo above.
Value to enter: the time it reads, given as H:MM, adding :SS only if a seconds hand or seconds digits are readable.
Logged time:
10:29
